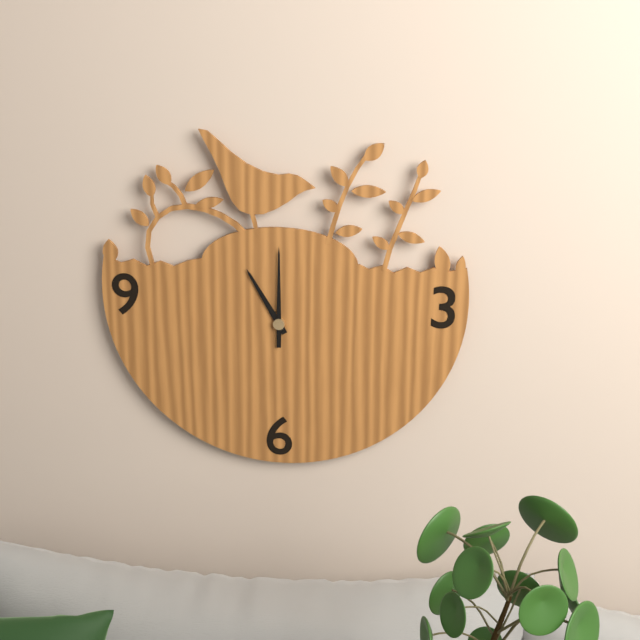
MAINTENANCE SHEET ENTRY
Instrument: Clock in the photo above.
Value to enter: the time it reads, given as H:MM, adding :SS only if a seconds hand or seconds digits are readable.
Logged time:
11:00
